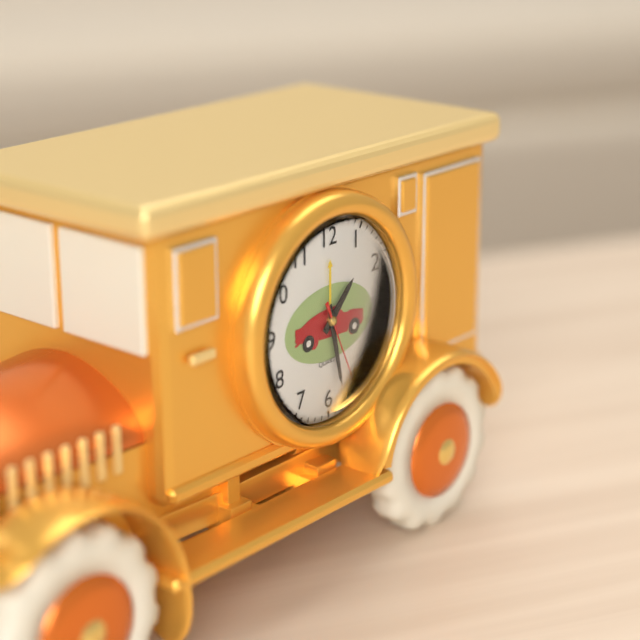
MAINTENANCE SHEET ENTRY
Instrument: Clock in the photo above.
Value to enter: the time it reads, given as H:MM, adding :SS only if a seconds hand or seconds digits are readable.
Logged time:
1:28:26
